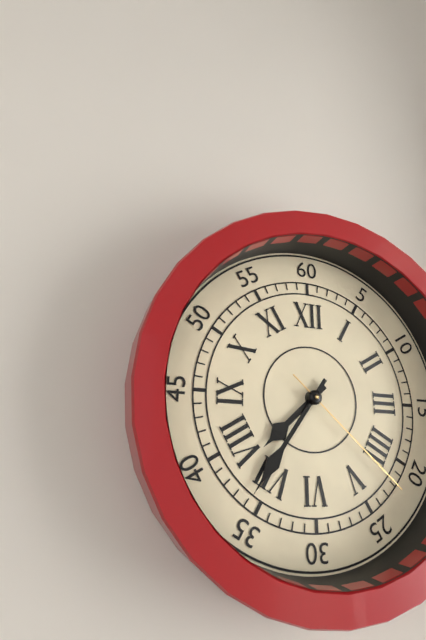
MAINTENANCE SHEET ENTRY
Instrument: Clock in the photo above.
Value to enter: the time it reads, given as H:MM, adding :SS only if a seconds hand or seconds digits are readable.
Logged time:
7:36:22
